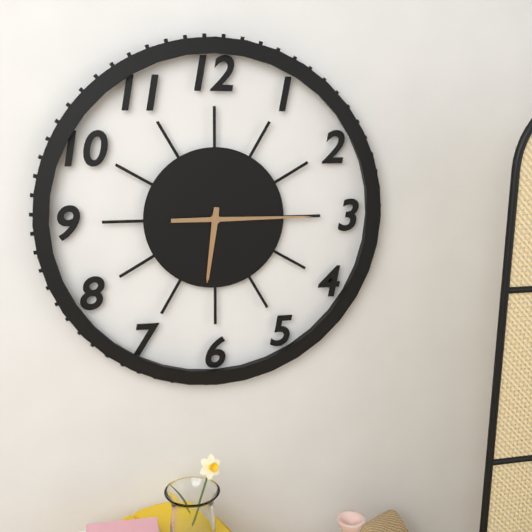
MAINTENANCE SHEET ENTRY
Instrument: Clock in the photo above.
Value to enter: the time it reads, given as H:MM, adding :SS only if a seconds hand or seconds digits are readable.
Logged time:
6:15
